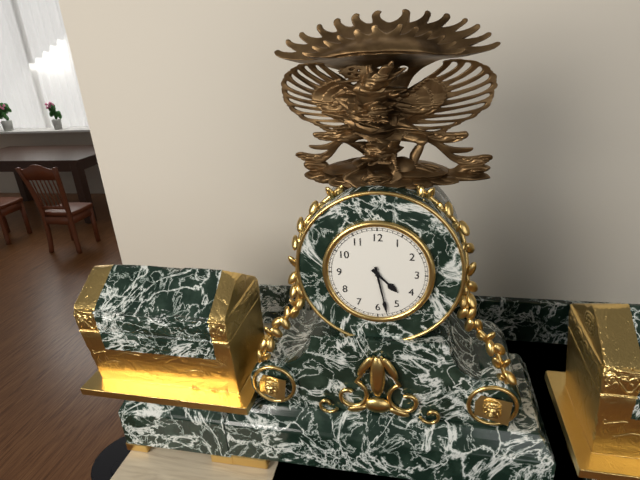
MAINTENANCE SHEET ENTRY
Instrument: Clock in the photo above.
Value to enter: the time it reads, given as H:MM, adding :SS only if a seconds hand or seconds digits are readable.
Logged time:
4:28
